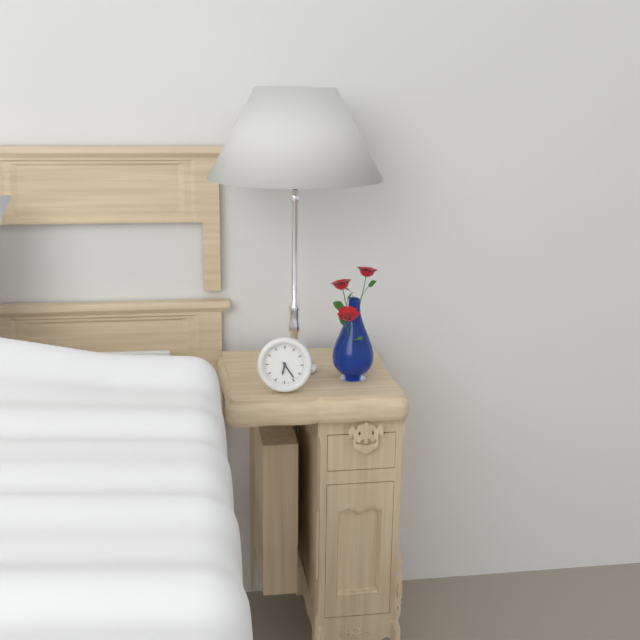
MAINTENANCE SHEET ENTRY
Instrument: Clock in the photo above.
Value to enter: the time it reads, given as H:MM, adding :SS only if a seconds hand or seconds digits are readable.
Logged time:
6:24
